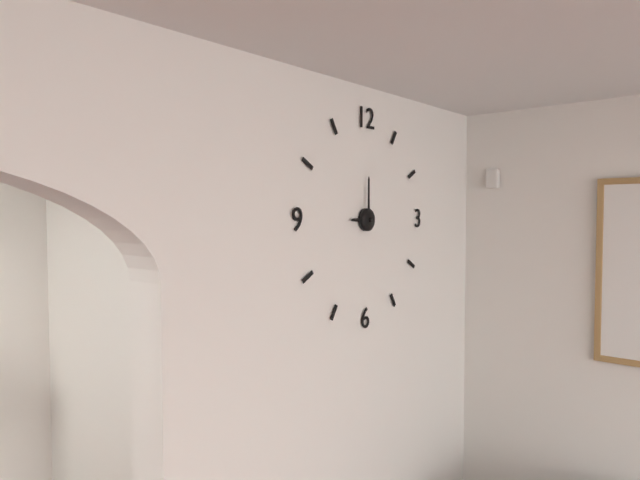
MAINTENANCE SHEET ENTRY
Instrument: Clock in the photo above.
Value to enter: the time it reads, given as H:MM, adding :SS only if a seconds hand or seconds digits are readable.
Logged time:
9:00
